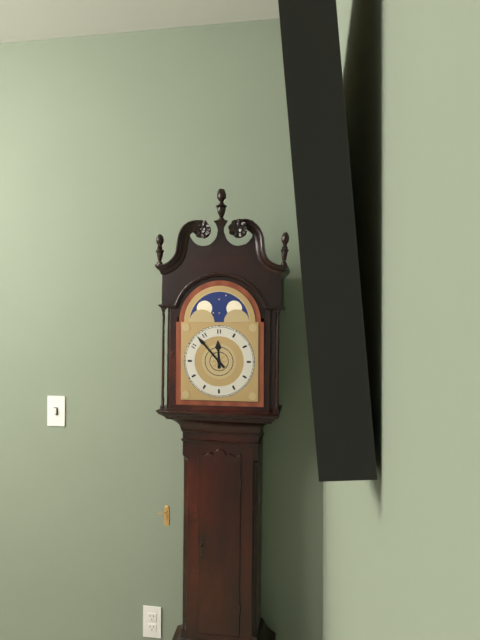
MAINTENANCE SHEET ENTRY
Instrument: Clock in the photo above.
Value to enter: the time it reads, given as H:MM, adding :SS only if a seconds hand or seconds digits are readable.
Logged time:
11:53
